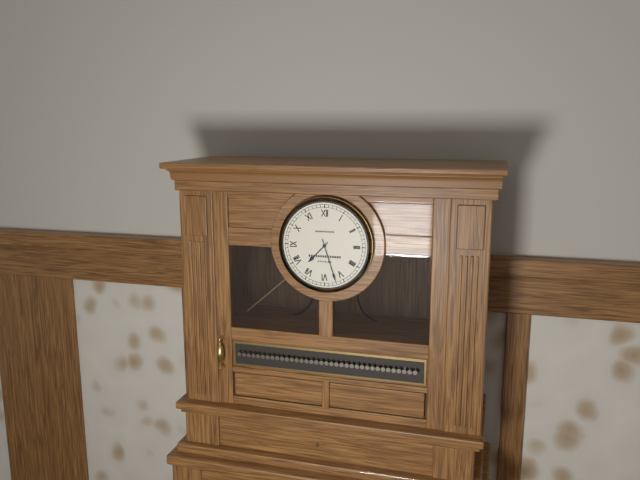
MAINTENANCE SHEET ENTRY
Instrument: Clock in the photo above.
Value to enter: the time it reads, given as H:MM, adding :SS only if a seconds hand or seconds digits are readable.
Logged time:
7:27
